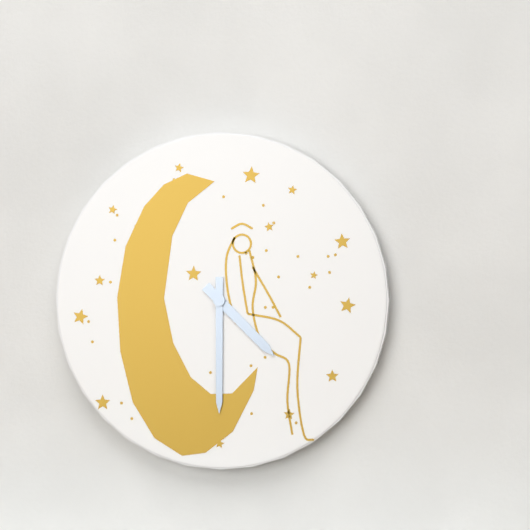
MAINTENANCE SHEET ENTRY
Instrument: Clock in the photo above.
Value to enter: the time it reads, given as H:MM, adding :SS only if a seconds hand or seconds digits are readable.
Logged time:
4:30
